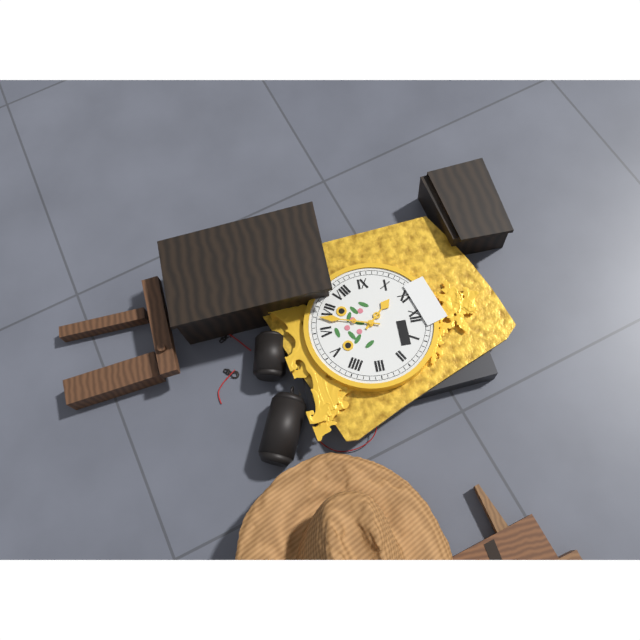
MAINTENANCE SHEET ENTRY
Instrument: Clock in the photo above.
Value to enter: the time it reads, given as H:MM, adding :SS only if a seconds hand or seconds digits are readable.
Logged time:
10:33
